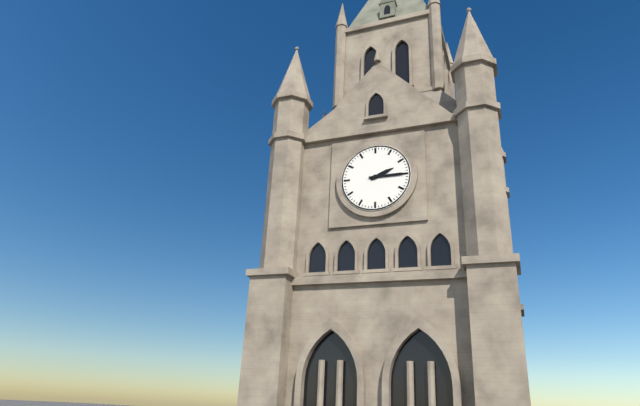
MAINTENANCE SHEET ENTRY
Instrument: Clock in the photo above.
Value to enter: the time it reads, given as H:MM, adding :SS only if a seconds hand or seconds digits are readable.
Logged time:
2:15
